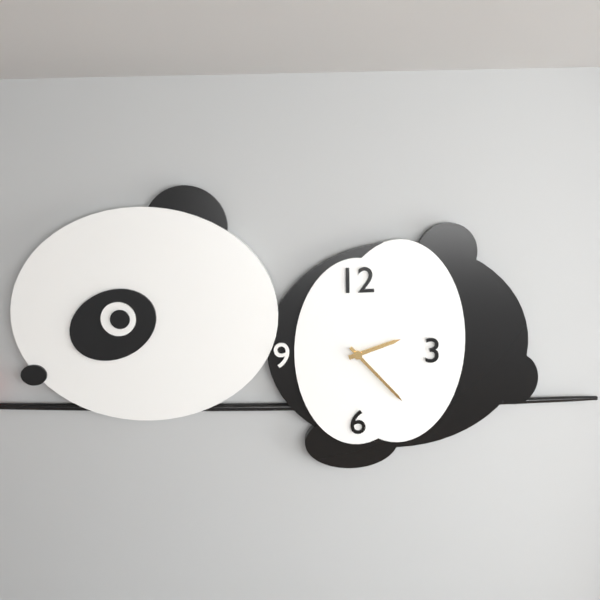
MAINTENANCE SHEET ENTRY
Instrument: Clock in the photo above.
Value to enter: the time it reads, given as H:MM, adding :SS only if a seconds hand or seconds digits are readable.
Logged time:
2:23
